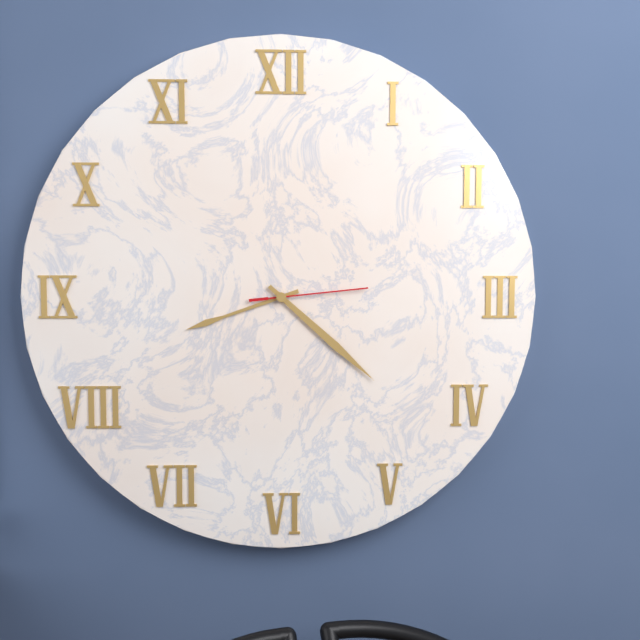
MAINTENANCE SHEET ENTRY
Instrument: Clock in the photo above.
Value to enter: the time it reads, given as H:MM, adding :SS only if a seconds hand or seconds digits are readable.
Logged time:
8:22:14
